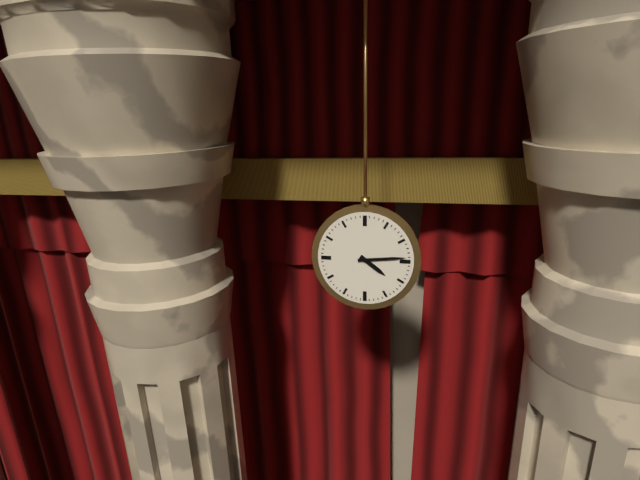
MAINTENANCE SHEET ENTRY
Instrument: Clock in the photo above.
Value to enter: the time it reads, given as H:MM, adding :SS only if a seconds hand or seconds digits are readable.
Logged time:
4:14
